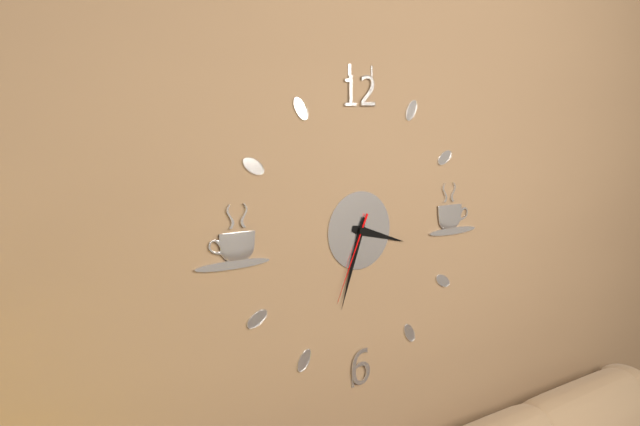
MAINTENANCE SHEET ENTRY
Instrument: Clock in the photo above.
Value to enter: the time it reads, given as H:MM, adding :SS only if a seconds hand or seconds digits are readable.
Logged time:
3:33:34
